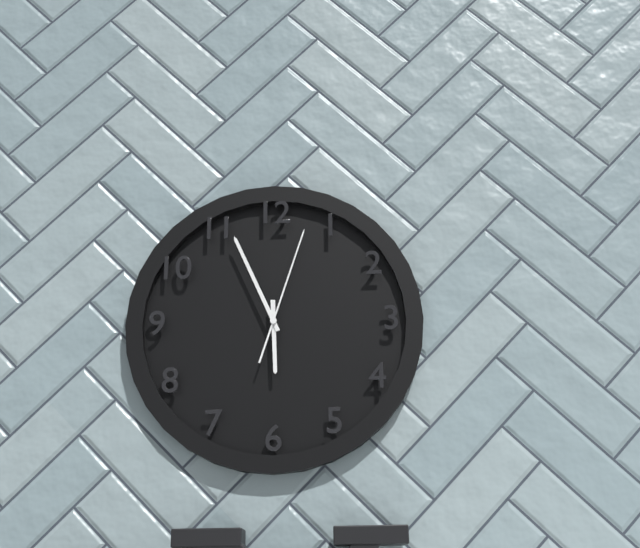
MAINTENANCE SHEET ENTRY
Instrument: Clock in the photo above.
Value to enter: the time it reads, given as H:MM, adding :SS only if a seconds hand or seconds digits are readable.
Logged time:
5:56:03
